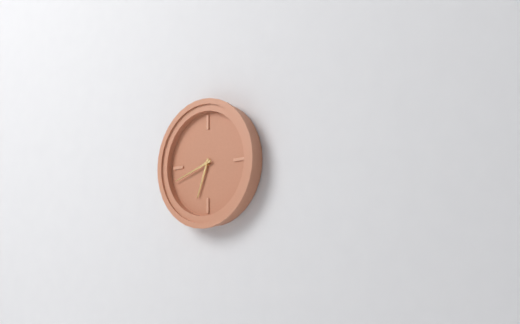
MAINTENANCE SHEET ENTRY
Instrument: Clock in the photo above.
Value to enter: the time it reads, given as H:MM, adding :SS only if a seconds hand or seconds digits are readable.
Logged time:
6:42
